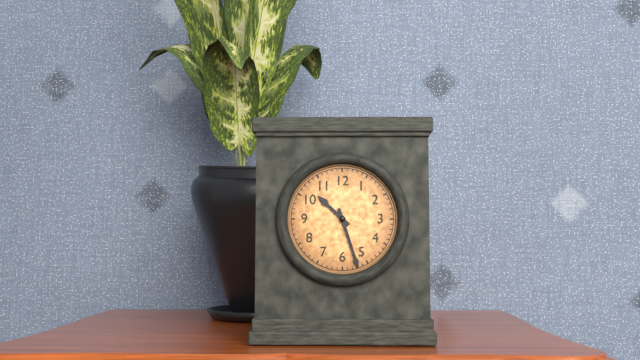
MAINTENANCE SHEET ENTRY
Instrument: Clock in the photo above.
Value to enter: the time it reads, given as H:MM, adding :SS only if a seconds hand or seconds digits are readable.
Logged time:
10:27
